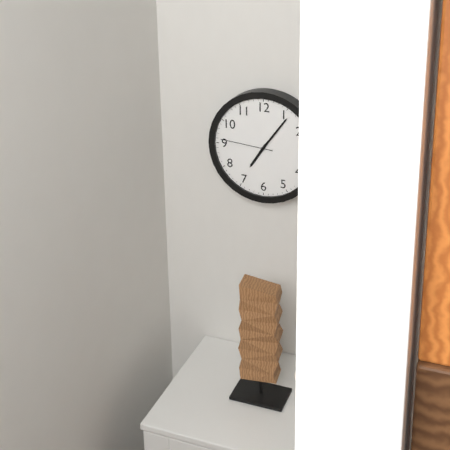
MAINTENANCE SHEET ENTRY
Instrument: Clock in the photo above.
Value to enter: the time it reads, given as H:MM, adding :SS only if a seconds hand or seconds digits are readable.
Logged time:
7:06:46
